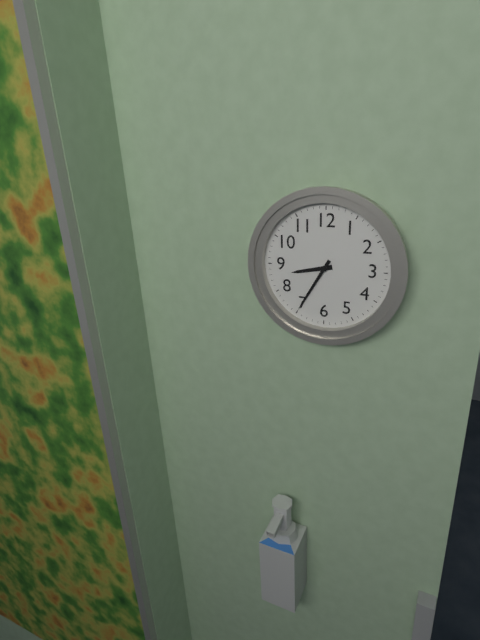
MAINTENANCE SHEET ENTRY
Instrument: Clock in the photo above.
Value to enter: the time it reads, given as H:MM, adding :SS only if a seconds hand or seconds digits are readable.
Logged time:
8:35
